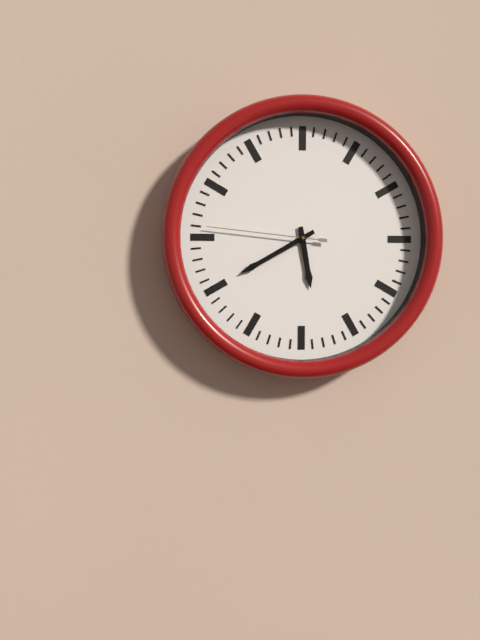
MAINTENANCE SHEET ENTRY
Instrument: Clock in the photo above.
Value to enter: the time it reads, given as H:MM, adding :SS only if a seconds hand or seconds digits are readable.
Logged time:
5:40:46
